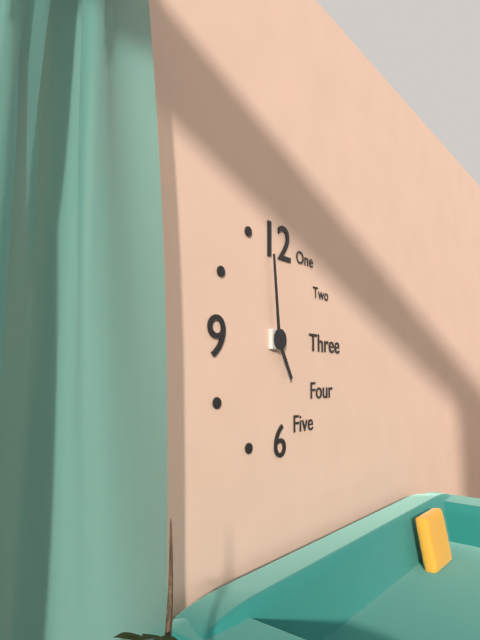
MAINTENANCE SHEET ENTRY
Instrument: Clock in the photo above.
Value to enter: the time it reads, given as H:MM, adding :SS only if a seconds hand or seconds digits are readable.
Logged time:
4:59
